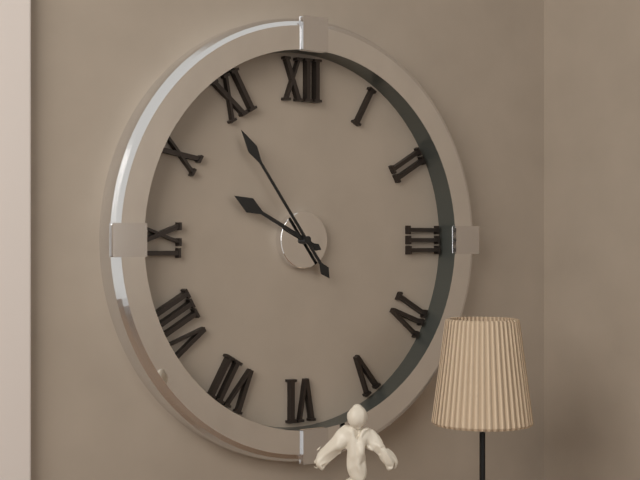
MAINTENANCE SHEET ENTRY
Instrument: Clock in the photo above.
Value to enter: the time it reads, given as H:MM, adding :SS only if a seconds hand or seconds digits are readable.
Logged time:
9:54
